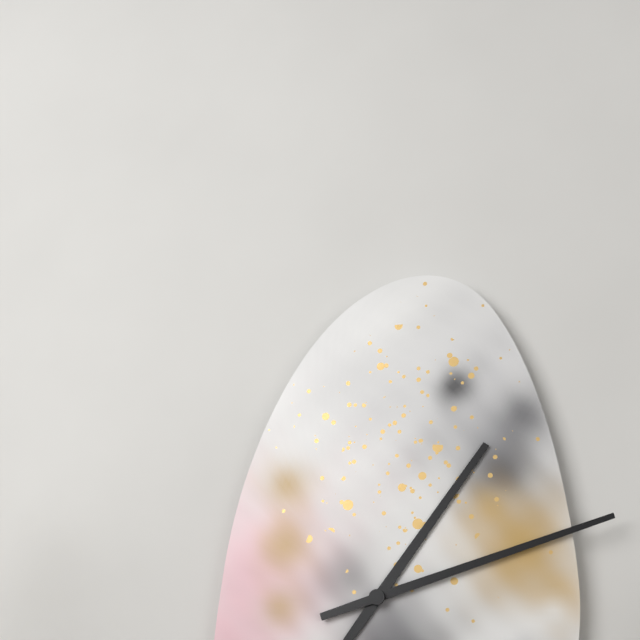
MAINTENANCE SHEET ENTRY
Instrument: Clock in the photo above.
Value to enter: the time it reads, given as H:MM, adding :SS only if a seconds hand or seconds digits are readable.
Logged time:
1:12
